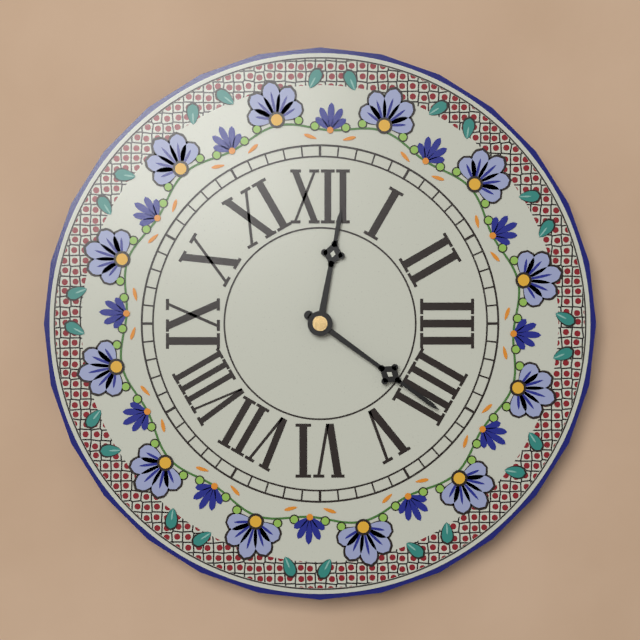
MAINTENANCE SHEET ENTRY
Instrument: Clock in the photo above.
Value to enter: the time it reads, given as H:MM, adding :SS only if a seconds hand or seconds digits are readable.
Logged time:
12:21
